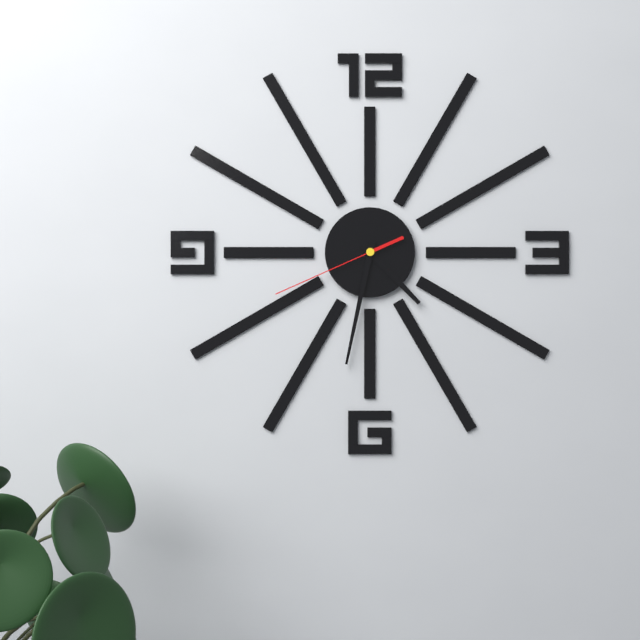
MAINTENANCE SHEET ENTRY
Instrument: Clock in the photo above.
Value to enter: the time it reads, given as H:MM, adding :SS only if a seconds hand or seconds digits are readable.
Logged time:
4:32:41
